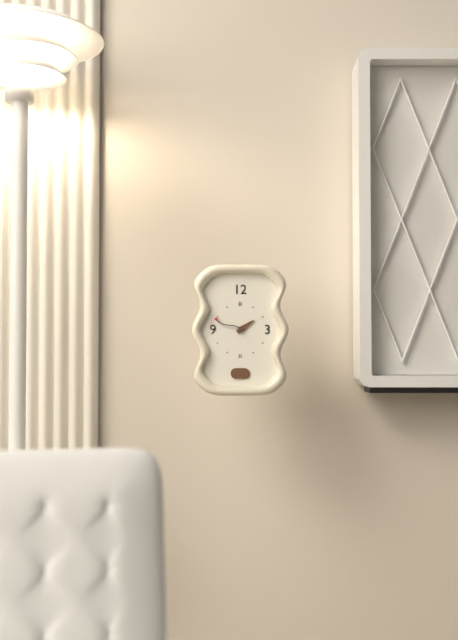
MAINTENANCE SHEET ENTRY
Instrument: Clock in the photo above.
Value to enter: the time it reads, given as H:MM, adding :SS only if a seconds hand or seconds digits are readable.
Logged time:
1:49
